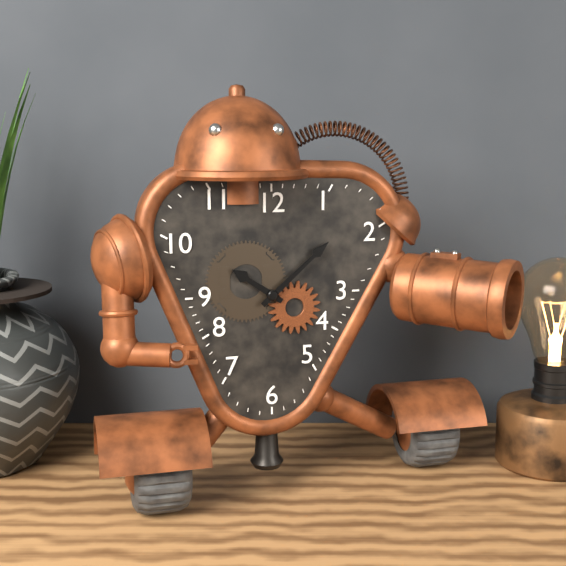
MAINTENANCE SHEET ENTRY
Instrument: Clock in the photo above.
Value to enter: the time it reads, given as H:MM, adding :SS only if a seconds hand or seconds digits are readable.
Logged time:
10:08
